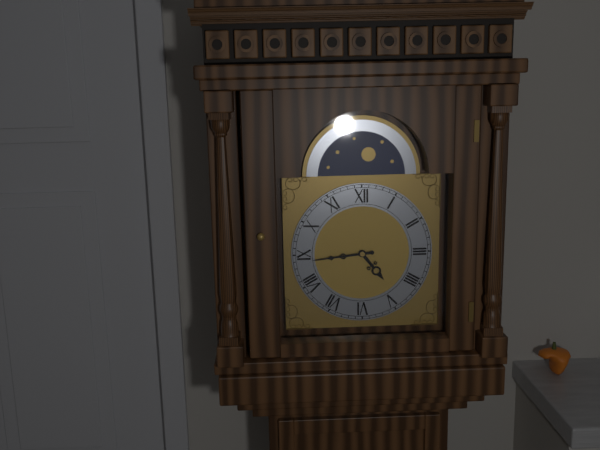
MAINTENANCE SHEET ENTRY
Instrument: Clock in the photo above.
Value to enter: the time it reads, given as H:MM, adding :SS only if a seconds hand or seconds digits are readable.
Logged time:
4:44
